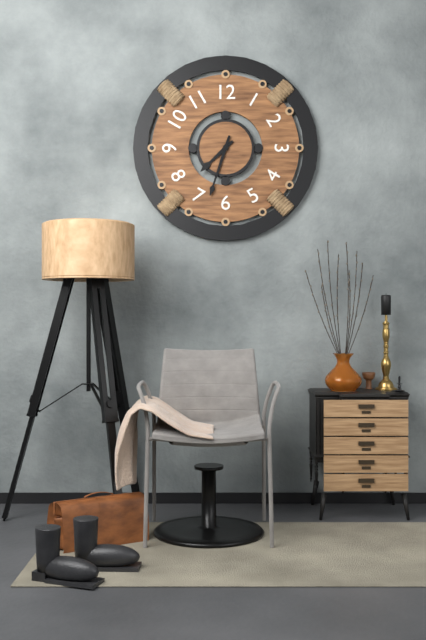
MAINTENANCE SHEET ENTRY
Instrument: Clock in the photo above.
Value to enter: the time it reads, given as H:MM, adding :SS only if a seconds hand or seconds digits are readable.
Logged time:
7:33
